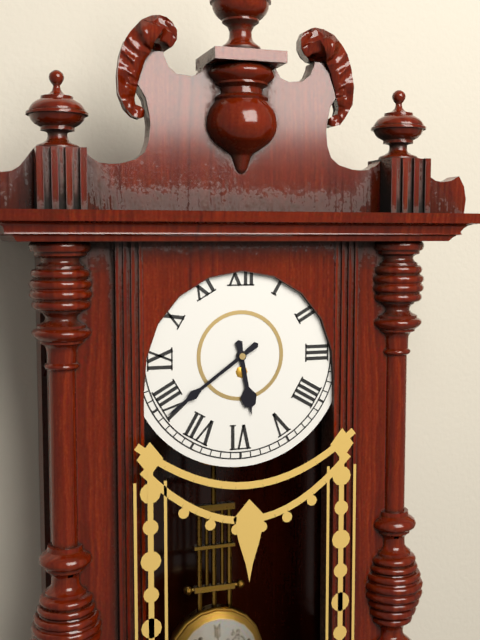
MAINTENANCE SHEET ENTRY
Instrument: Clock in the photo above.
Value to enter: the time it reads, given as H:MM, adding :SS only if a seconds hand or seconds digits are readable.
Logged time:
5:39
